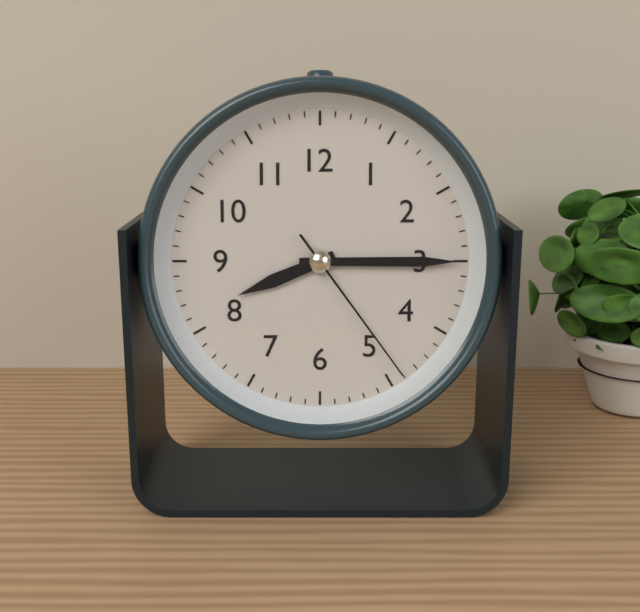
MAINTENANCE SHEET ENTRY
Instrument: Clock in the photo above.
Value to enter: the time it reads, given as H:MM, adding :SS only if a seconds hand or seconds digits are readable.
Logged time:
8:15:24
